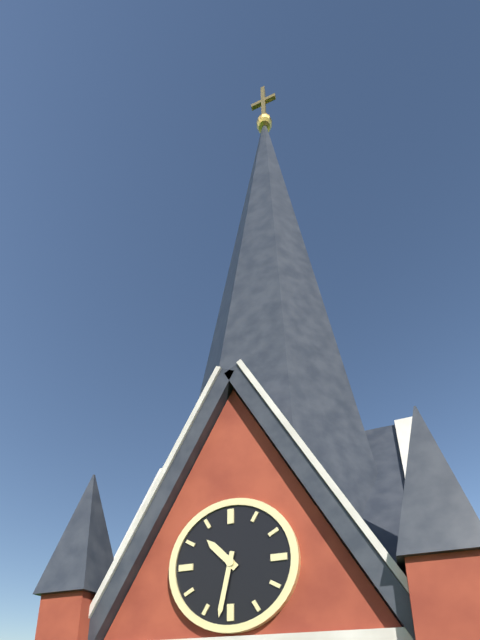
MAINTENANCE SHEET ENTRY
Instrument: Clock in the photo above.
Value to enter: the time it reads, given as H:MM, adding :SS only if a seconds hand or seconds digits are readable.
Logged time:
10:32
